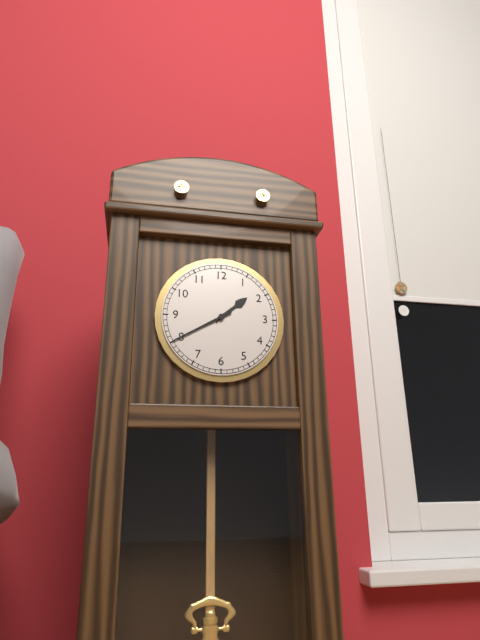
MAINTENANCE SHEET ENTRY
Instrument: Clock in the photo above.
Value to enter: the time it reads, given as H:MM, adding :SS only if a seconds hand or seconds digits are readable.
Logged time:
1:40
